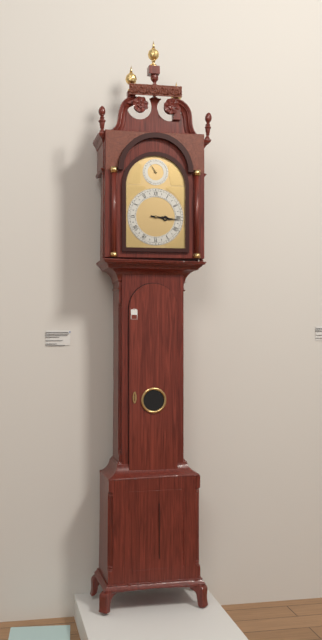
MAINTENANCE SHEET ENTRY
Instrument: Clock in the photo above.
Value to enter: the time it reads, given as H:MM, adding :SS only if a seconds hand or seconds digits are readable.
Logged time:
3:16
